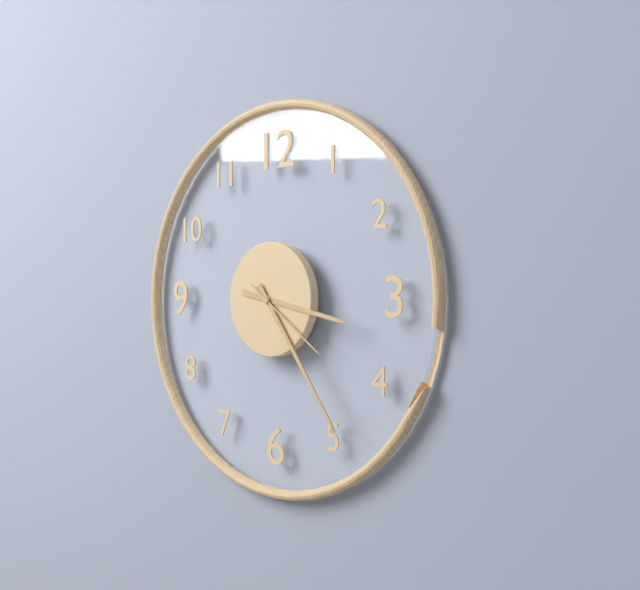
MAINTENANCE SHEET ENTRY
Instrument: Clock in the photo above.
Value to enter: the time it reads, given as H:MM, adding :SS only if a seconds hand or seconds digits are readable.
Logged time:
3:24:21
